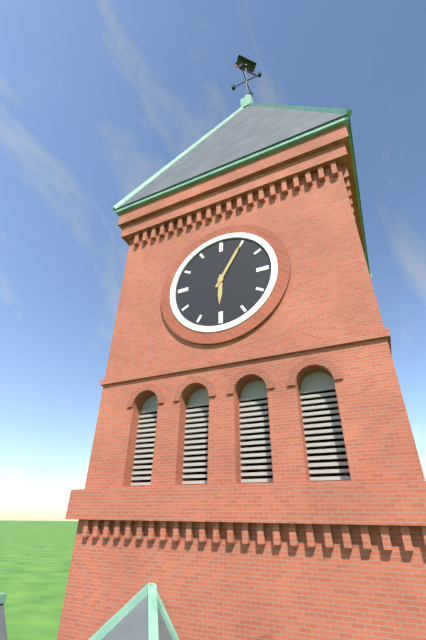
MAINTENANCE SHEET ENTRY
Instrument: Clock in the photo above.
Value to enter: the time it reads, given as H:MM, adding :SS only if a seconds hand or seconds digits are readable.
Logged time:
6:05
